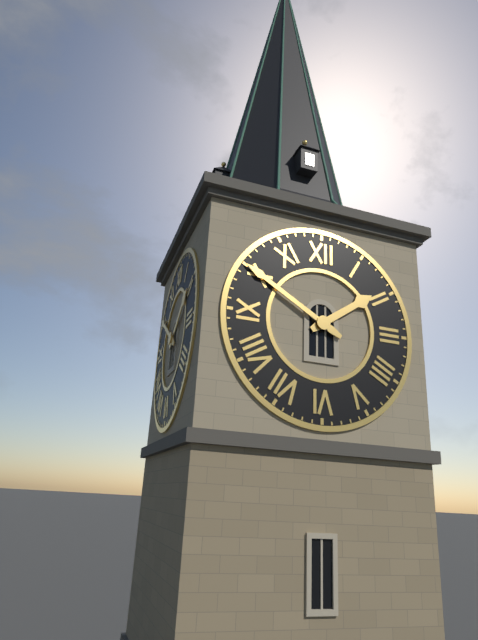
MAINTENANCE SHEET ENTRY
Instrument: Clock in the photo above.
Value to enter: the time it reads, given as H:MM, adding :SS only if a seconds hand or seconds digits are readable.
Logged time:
1:50
